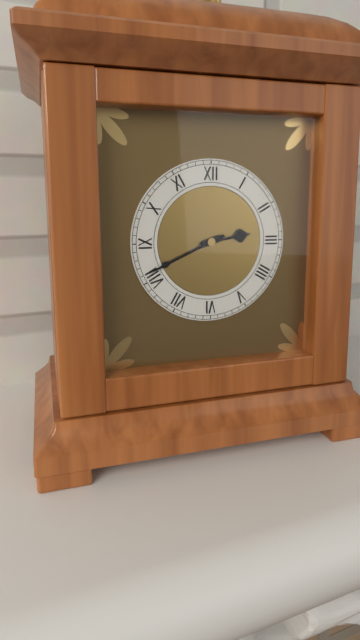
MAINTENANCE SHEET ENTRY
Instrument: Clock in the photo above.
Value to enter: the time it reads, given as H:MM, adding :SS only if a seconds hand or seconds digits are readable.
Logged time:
2:41
